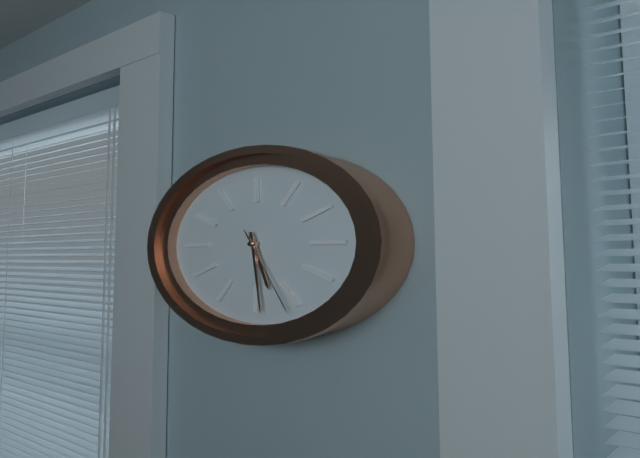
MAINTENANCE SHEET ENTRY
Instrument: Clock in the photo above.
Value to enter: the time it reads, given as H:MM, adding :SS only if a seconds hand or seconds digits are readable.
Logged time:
5:29:26
